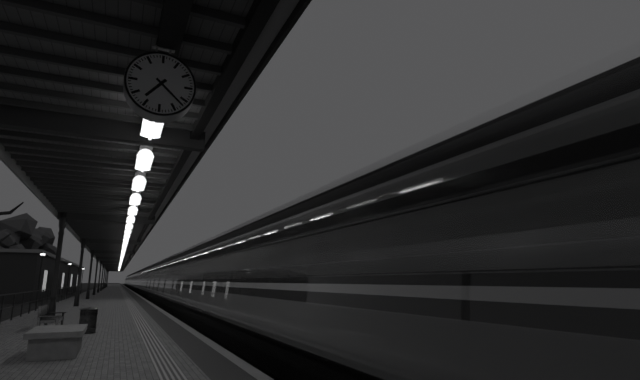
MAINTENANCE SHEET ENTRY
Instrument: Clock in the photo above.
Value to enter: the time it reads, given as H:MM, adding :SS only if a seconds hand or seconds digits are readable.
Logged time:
7:22
